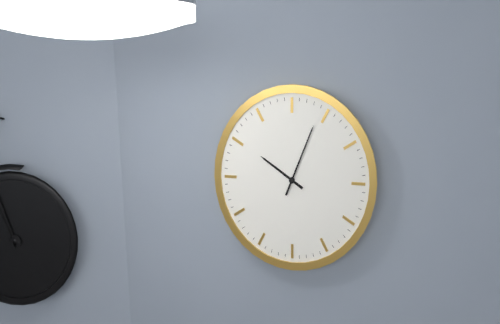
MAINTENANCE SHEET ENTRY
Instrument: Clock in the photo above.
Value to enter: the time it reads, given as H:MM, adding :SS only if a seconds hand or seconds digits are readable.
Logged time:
10:04
